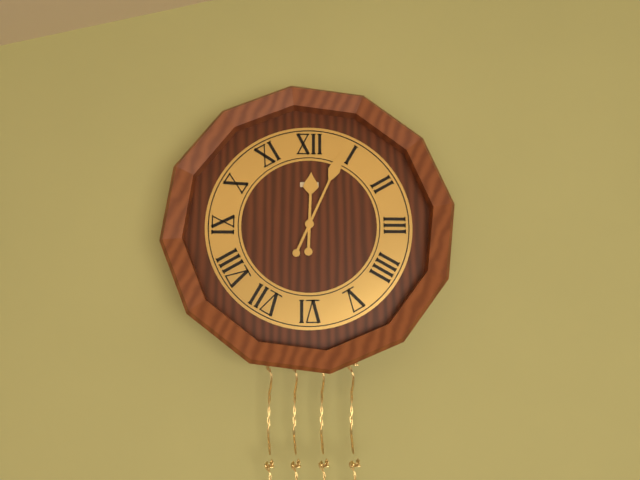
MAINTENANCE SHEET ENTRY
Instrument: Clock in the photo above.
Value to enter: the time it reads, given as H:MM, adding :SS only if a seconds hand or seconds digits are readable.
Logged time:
12:04
